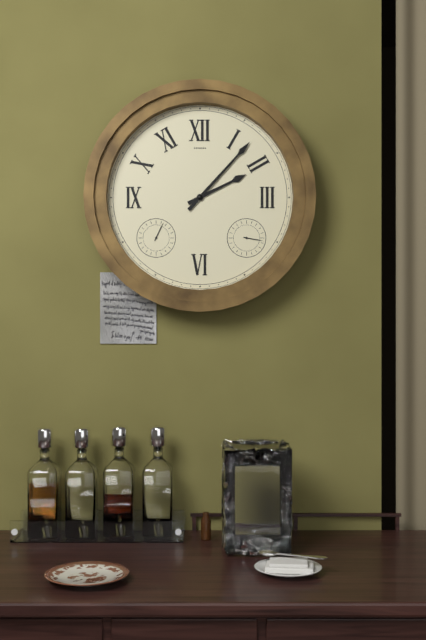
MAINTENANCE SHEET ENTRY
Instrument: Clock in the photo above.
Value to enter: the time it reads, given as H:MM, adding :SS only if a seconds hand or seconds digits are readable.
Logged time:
2:07
